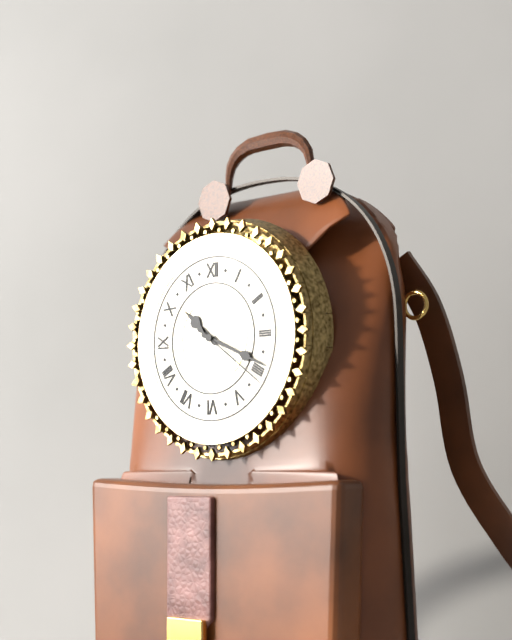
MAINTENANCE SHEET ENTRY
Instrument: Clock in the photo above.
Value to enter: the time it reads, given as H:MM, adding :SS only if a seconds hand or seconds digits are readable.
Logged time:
10:19:21
